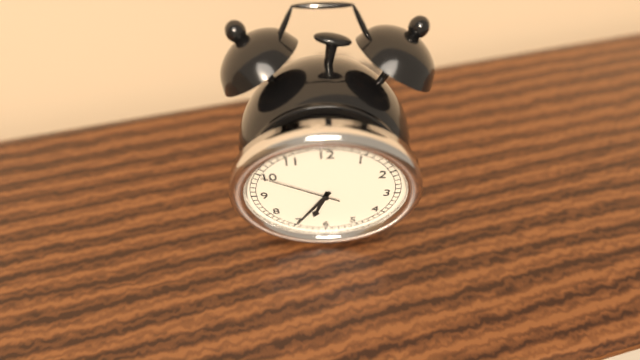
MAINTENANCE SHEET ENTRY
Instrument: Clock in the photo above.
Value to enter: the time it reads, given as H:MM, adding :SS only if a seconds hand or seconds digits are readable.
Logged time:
6:35:50
